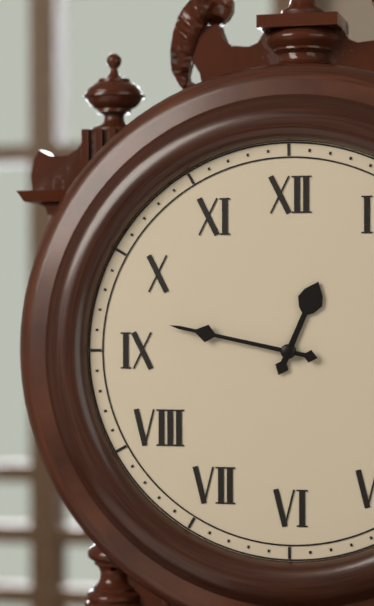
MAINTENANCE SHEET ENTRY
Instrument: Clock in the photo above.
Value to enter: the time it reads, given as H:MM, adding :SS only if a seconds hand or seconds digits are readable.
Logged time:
12:47
